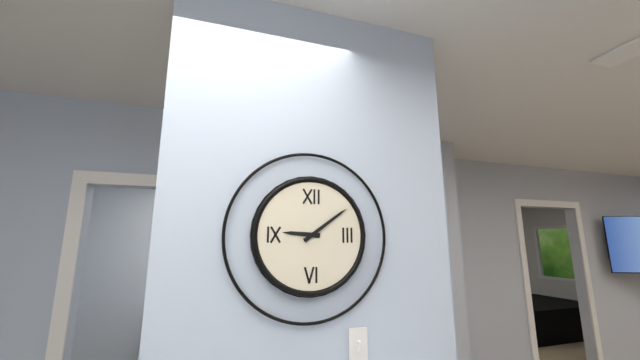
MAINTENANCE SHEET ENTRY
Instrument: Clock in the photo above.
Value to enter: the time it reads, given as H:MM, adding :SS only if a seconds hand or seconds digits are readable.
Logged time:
9:09
